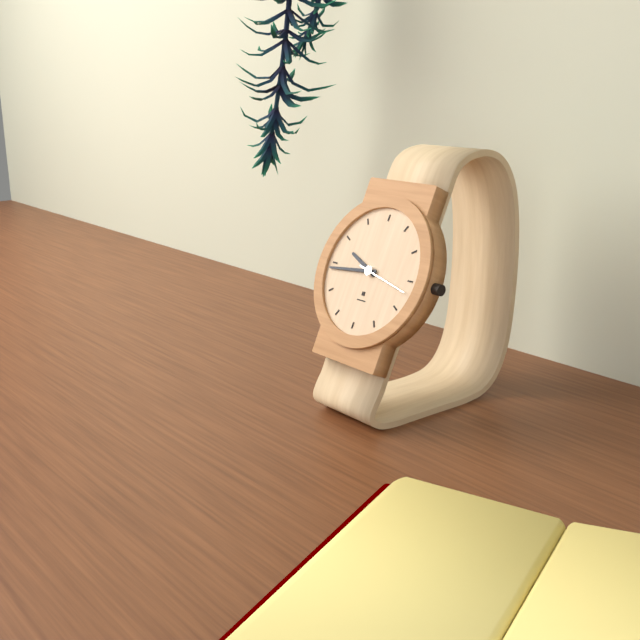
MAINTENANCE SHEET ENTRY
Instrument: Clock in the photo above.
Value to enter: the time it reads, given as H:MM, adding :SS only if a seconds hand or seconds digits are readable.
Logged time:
9:44:17
